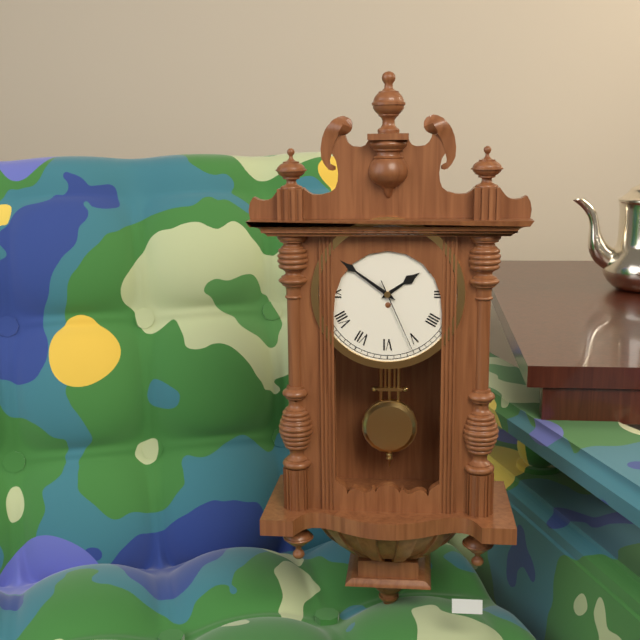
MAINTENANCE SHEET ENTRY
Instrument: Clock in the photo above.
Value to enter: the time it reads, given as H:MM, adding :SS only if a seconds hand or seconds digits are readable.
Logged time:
1:51:26
